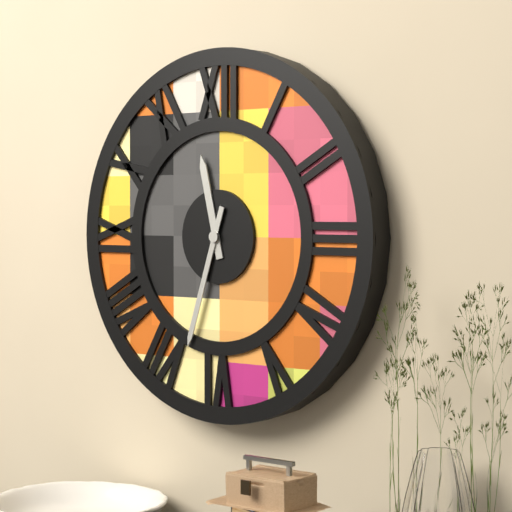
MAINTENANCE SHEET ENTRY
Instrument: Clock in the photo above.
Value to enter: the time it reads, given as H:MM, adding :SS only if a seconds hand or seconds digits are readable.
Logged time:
11:33
